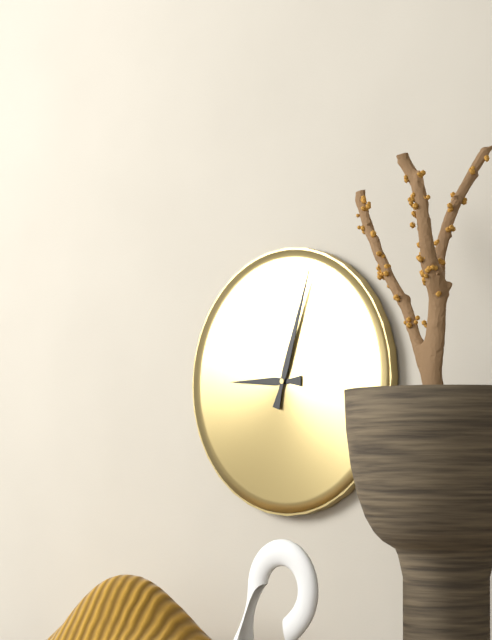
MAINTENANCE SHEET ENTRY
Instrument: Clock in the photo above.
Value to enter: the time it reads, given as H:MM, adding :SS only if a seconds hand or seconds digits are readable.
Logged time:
9:03
